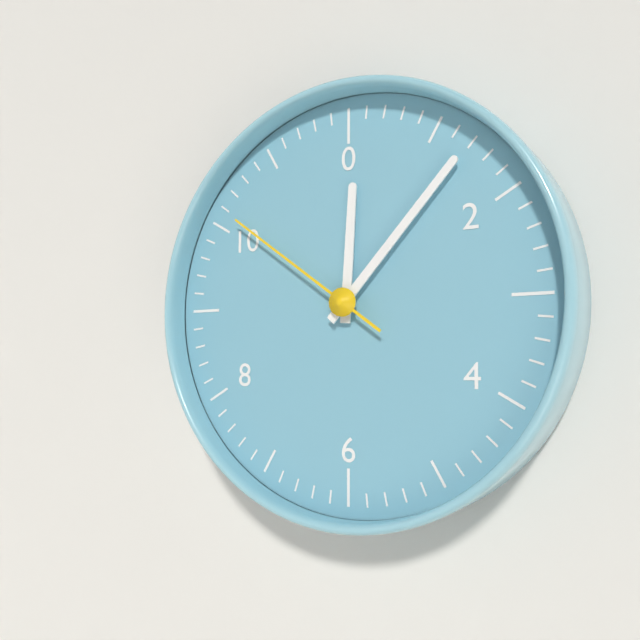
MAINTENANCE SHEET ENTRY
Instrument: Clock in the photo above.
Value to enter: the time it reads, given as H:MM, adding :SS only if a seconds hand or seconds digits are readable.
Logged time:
12:07:51
